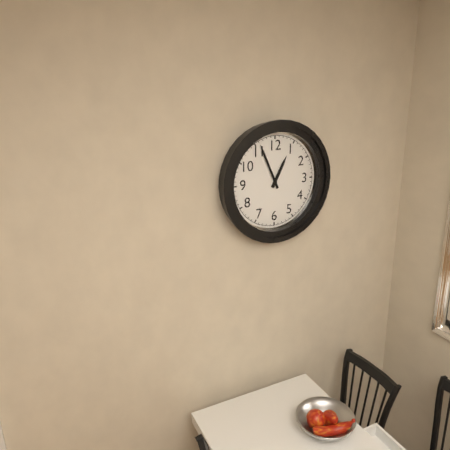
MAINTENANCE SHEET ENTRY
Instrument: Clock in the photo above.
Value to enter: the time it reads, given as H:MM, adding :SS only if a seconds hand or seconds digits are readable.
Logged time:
12:56
